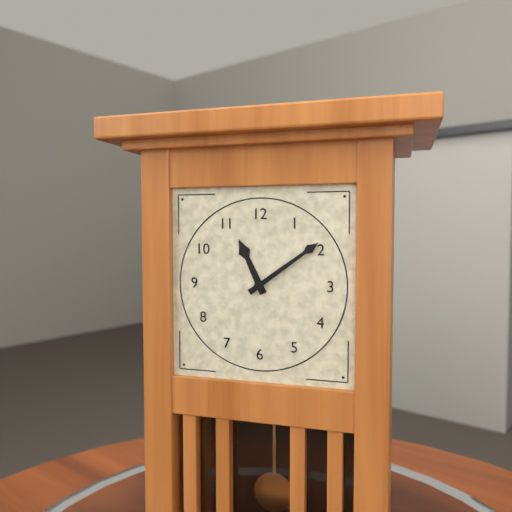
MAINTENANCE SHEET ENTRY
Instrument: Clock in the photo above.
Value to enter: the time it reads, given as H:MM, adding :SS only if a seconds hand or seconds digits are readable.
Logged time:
11:09
